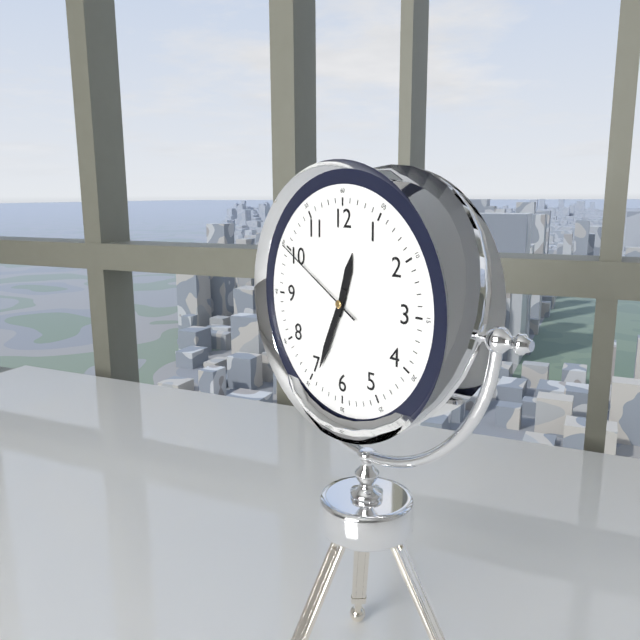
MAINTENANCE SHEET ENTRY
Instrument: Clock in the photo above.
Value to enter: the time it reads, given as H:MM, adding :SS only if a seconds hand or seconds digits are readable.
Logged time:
12:34:50
